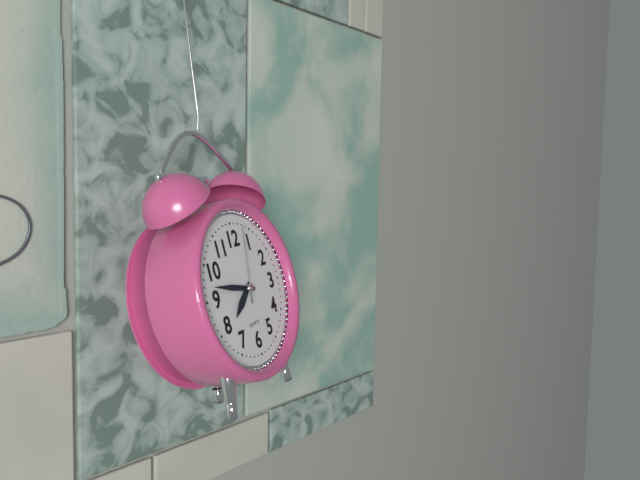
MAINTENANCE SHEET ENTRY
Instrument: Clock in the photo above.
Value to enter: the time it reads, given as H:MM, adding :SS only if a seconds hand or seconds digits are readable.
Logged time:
7:47:02
